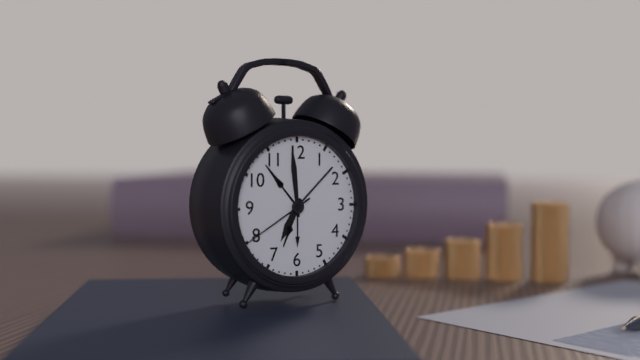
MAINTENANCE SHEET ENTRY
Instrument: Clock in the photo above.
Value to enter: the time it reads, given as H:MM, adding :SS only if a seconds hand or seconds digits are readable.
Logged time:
6:59:40
